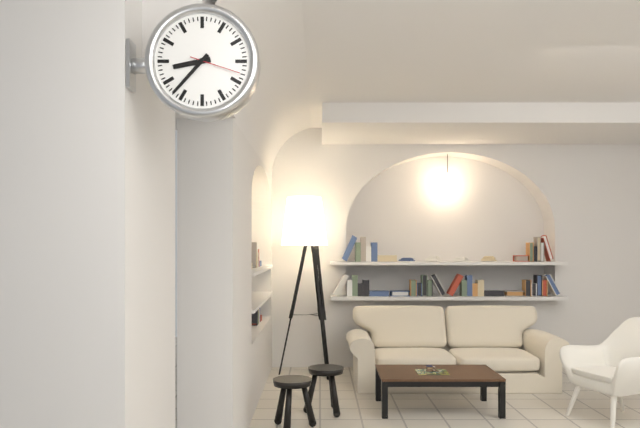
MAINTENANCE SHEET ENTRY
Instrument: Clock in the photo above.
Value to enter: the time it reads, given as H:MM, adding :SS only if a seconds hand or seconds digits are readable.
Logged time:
8:37
